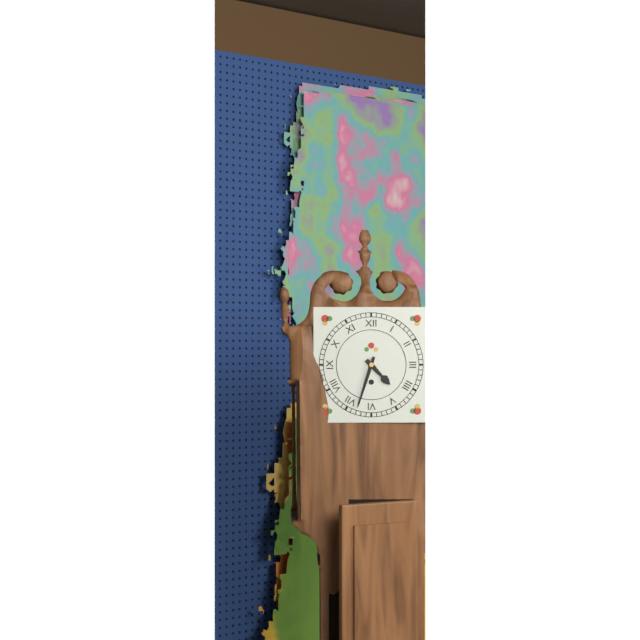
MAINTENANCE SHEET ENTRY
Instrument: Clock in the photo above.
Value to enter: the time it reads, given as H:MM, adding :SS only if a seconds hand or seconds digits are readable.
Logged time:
4:33
